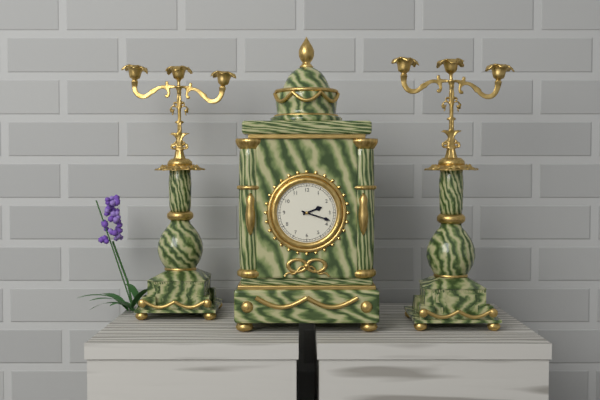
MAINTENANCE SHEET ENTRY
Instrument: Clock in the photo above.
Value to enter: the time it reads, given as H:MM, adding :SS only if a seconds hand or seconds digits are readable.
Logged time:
2:18
